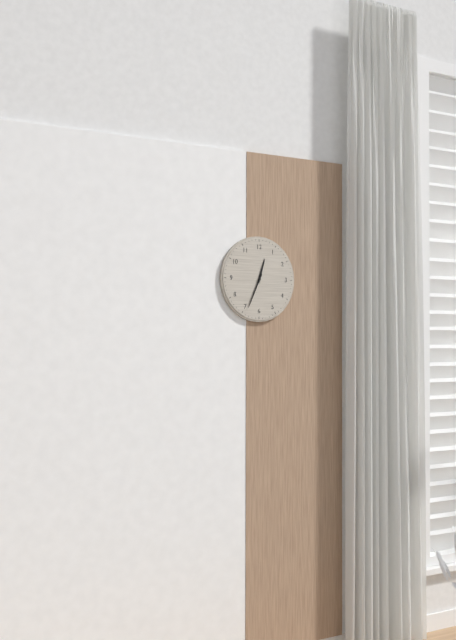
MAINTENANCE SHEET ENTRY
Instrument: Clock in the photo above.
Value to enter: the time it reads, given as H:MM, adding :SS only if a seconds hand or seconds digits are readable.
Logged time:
12:34
